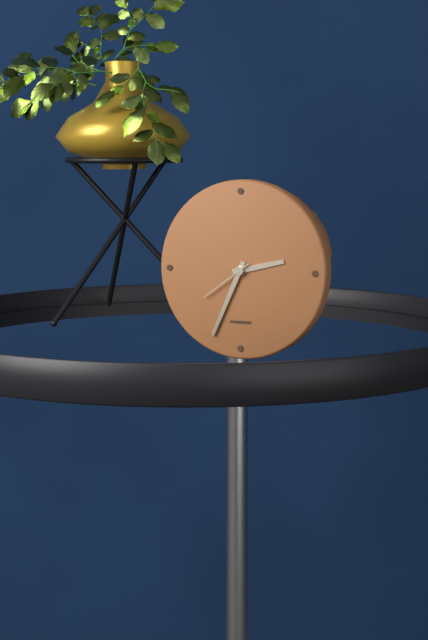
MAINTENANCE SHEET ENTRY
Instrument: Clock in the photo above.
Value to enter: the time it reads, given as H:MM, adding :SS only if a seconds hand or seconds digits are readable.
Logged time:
2:34:39
